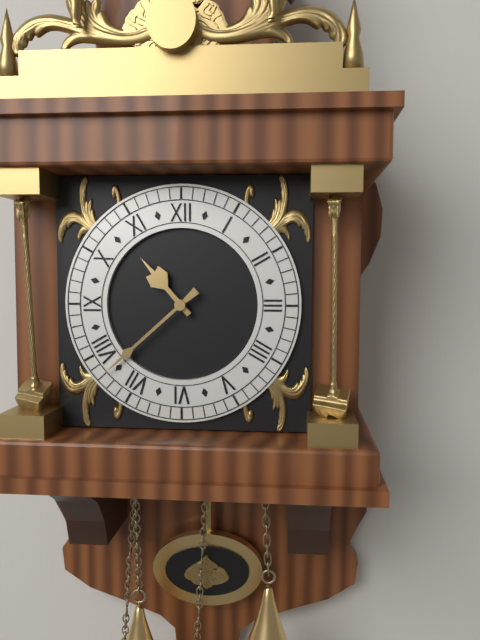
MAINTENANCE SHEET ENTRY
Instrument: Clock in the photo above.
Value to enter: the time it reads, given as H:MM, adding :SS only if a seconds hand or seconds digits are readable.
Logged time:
10:38
